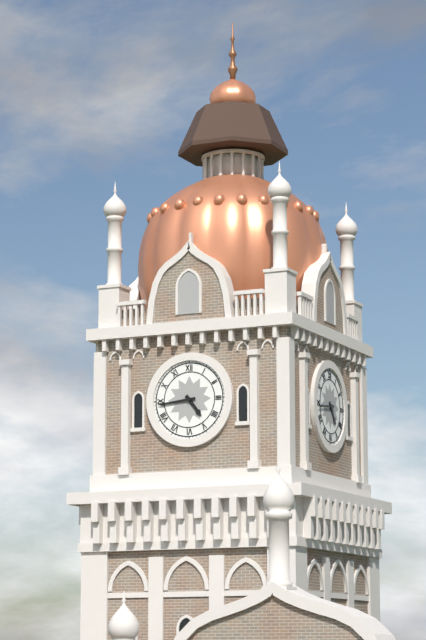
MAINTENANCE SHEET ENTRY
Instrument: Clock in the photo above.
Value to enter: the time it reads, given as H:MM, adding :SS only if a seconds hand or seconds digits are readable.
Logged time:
4:44
